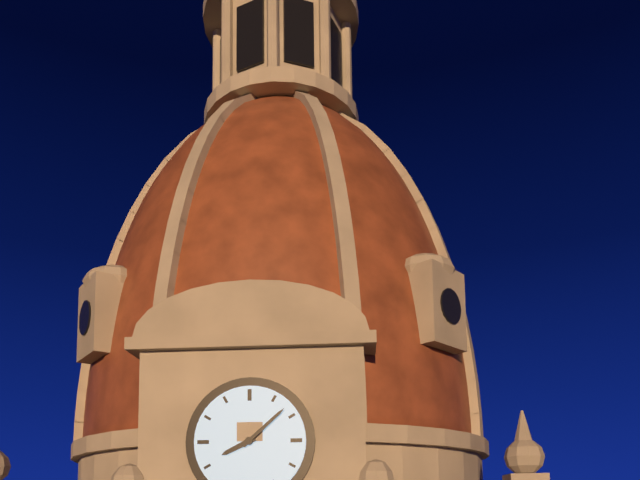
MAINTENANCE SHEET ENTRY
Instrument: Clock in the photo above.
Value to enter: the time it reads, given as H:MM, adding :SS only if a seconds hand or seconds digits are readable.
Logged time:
8:08
